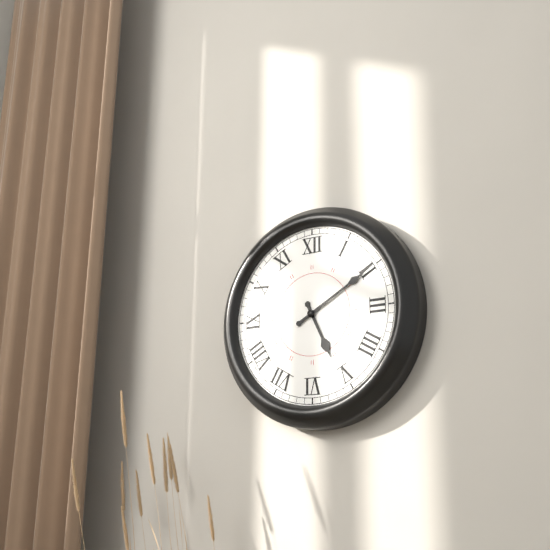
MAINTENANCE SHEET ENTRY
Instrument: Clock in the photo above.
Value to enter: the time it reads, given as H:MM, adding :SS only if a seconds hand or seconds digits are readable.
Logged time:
5:10
